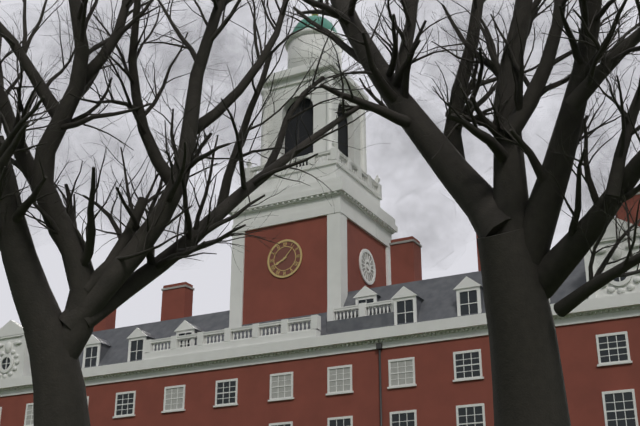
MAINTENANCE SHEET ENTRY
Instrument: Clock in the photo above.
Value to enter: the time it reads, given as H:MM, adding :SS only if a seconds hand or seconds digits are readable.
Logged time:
8:07
